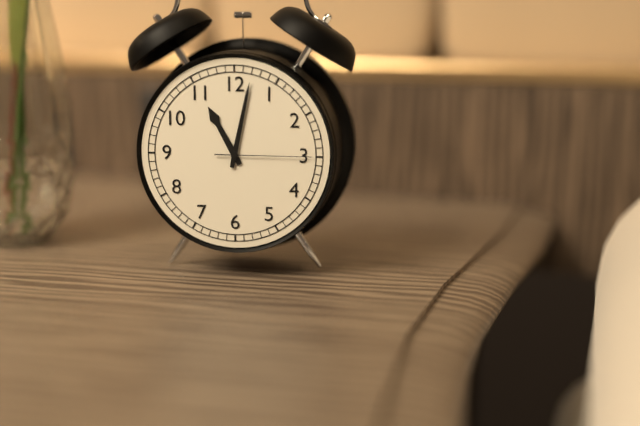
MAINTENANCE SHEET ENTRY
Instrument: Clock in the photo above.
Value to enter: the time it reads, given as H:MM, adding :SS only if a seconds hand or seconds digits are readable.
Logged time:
11:02:15
